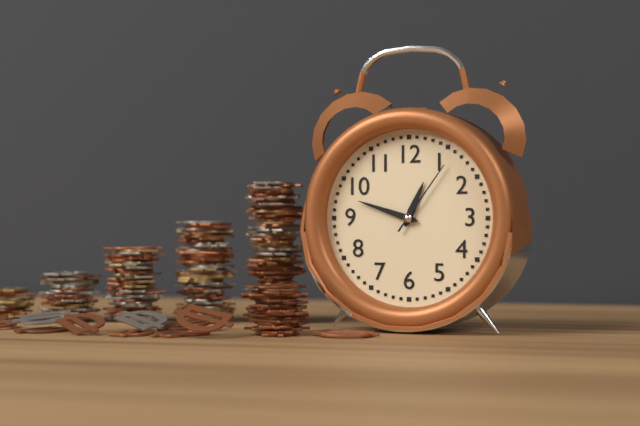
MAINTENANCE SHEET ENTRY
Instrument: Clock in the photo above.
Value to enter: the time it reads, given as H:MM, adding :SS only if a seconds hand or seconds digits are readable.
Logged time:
12:48:06
